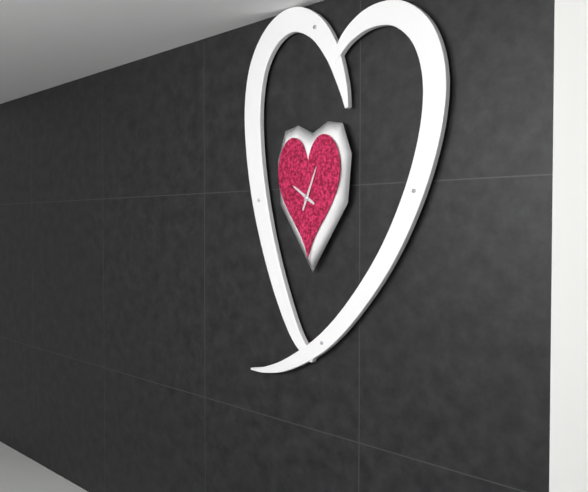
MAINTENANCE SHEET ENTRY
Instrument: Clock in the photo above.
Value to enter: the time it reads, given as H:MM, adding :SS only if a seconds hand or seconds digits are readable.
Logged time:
10:04
